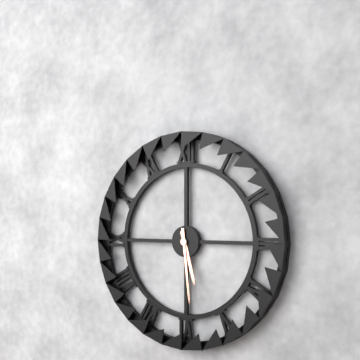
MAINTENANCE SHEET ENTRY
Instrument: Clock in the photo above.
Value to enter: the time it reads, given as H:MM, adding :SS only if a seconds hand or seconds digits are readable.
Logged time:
5:29
